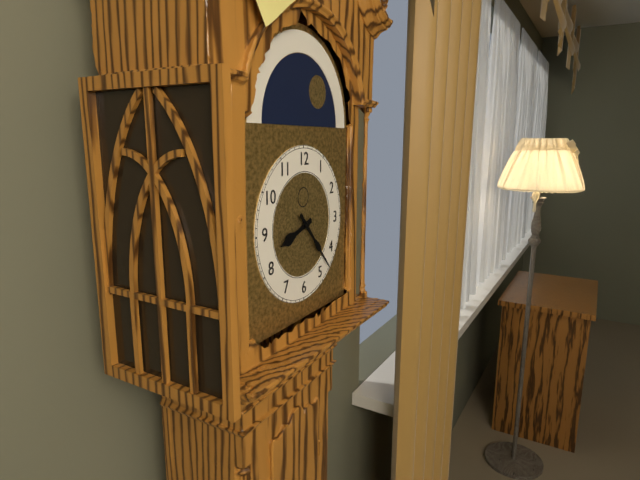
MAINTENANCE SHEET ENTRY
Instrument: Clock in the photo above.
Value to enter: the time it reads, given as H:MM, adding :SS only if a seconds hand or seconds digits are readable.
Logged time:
8:23
